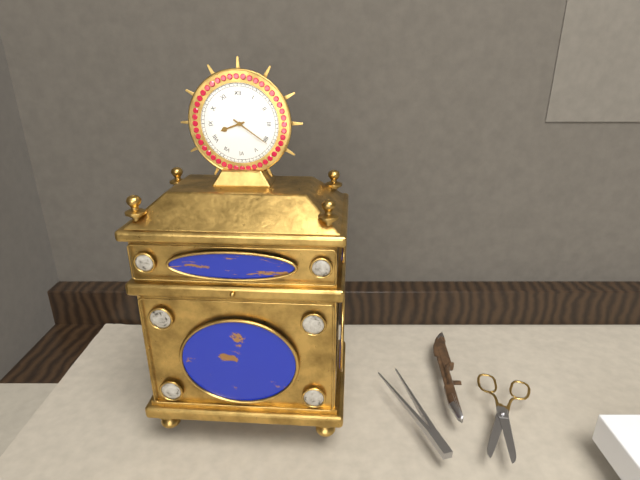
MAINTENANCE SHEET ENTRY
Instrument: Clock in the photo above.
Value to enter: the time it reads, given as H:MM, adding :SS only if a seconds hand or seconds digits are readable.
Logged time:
8:21
